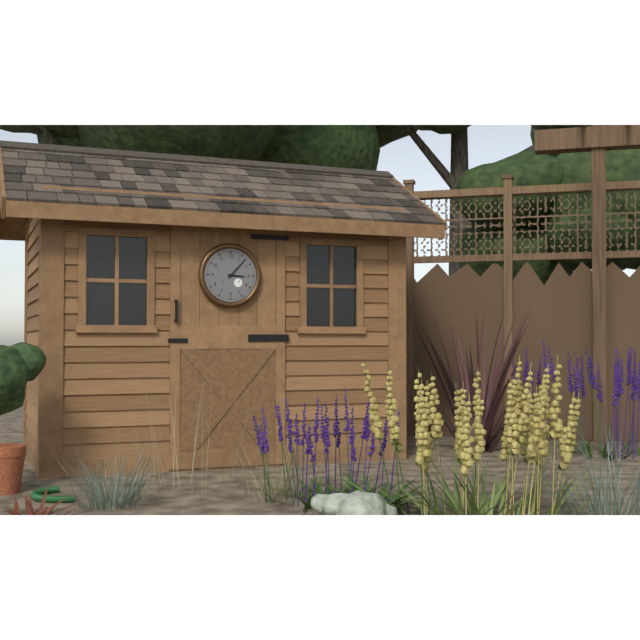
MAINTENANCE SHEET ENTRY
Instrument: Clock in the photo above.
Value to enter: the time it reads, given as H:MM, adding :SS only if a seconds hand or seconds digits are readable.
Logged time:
3:07
